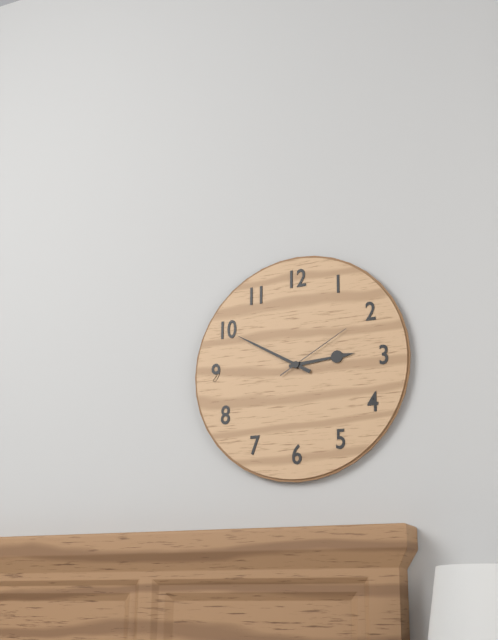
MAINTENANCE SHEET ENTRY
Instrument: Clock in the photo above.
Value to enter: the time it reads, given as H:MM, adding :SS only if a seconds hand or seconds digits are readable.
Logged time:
2:50:10
